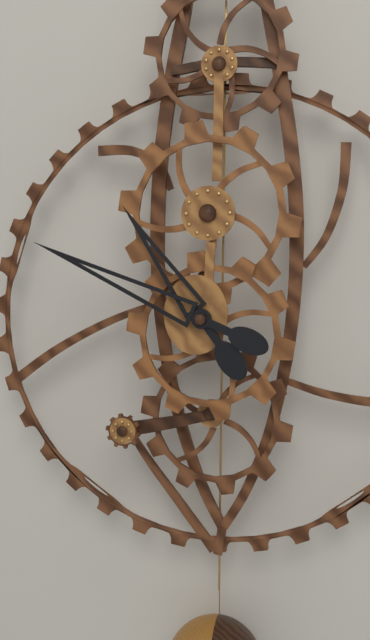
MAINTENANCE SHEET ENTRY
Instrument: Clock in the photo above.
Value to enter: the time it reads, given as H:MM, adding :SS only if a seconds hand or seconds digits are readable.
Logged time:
10:49
